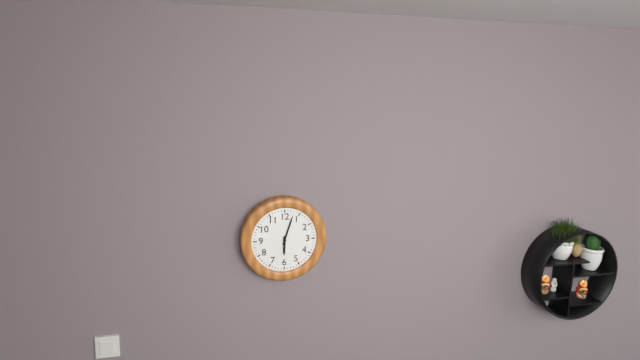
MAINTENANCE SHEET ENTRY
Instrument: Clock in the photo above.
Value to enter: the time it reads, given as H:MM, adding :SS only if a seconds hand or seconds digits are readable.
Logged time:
6:03
